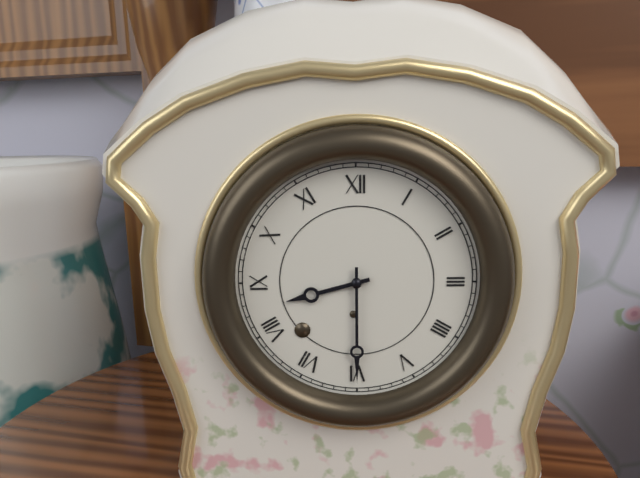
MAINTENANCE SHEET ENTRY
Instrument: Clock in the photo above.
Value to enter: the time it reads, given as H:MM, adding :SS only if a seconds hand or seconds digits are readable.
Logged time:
8:30
